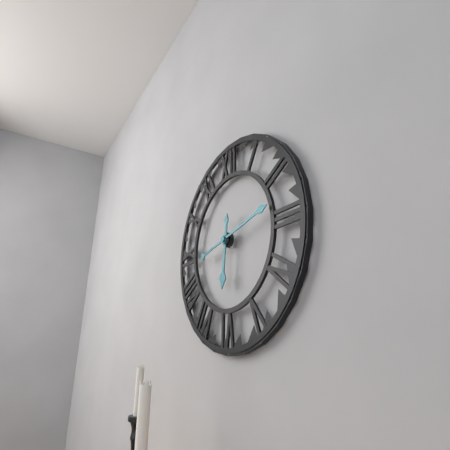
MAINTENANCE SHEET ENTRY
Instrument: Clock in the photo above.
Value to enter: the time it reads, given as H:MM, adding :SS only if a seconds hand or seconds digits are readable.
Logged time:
6:13
